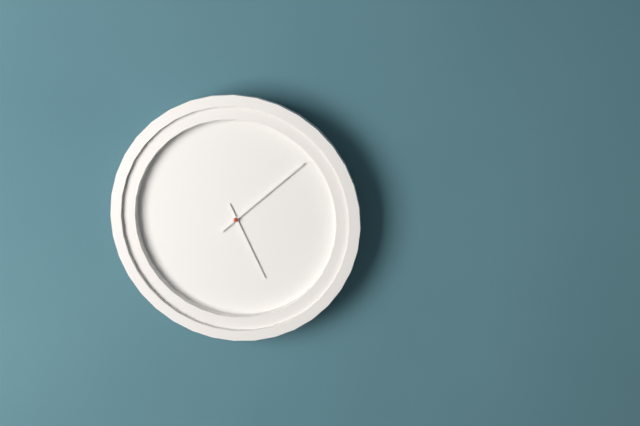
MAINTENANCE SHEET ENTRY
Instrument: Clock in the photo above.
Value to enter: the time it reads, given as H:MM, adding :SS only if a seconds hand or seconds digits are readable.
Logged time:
5:08
